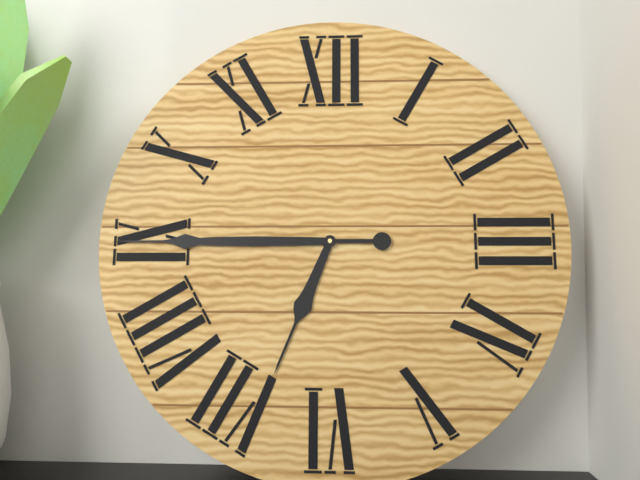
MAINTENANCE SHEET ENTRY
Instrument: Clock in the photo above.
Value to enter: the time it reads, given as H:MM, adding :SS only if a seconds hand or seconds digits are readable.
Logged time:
6:45
